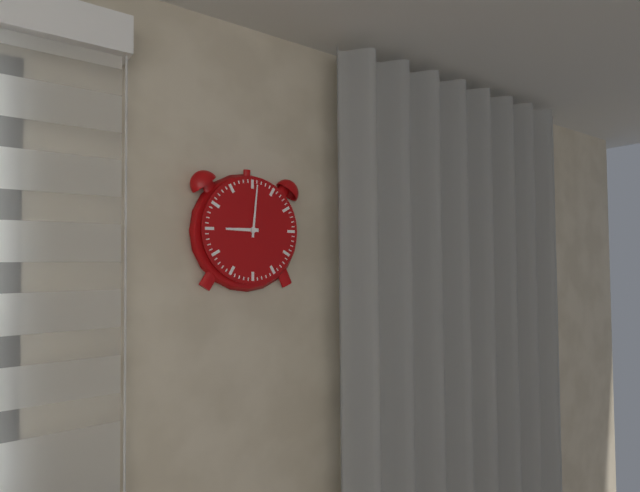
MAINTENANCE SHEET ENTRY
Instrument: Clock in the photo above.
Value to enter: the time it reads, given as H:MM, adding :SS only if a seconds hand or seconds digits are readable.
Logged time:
9:01
